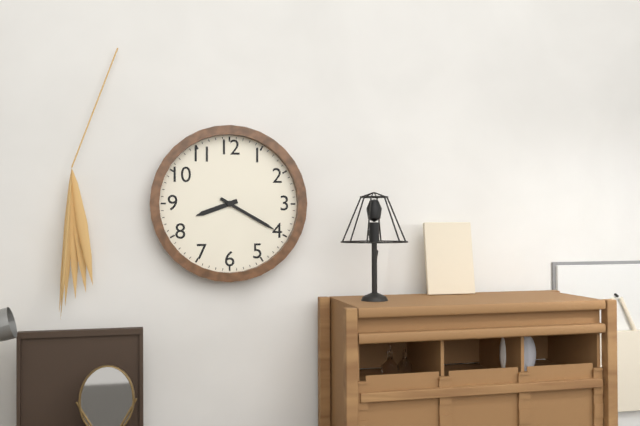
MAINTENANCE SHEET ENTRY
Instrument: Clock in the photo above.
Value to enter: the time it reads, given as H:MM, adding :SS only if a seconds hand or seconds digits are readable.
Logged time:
8:20
